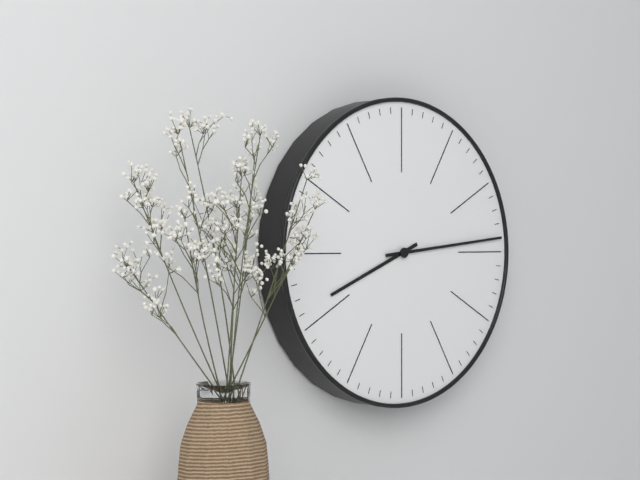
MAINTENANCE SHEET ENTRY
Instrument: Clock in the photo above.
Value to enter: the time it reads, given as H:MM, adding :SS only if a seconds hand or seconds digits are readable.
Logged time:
8:14
